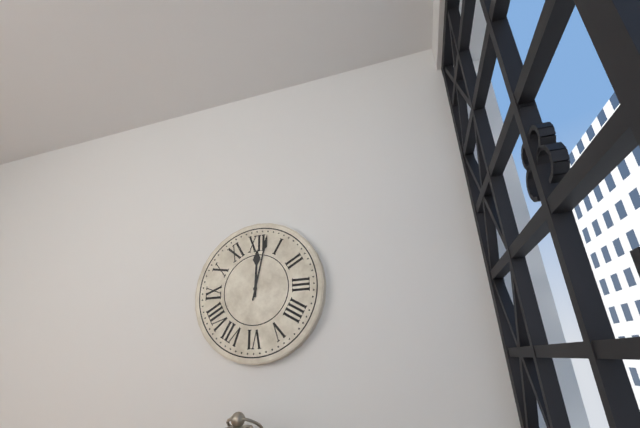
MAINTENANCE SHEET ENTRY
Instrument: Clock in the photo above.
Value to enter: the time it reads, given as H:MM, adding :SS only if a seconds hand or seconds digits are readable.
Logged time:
12:02
